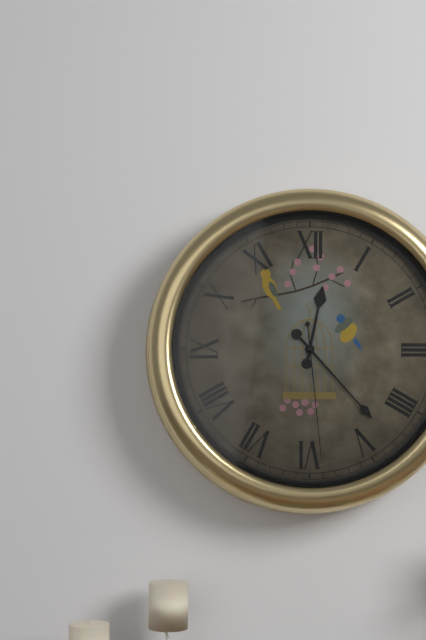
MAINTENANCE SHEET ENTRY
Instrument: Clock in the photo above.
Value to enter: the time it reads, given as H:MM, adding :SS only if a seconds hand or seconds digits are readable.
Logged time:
12:23:29
